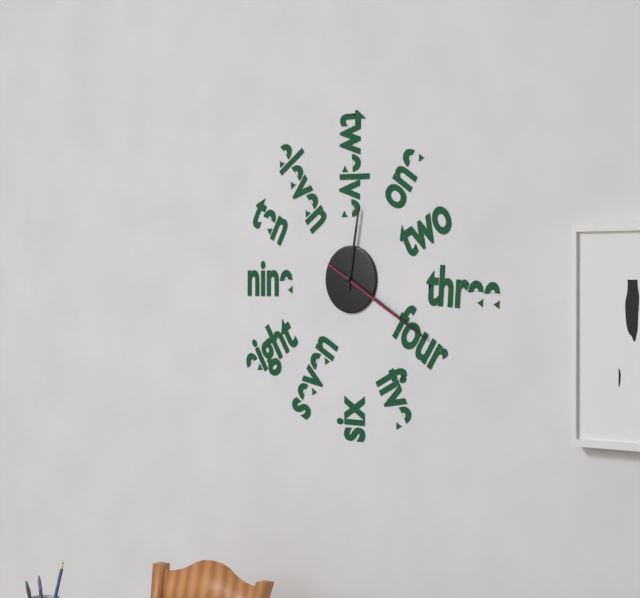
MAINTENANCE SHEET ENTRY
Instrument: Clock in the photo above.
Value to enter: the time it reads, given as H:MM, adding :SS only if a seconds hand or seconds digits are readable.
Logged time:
12:20:20
